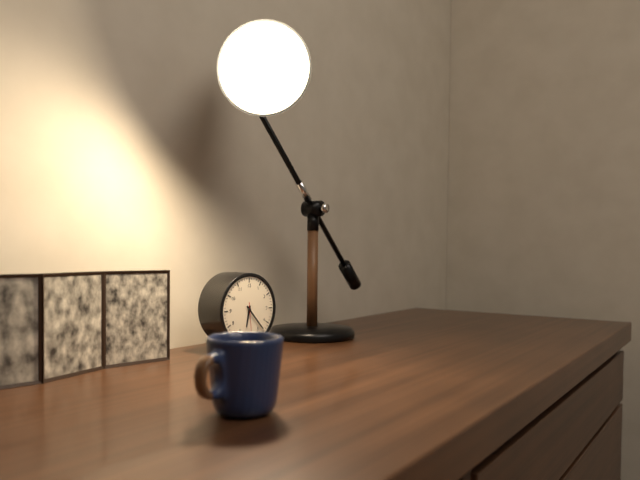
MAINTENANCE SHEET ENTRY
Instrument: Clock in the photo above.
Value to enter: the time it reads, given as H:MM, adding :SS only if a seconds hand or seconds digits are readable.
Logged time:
6:23
